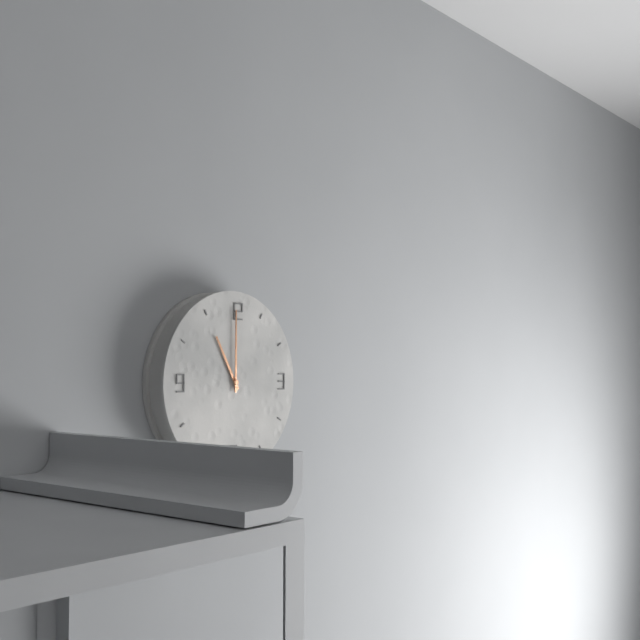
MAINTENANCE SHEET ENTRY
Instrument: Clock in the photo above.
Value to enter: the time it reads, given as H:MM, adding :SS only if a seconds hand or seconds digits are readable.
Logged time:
11:00
